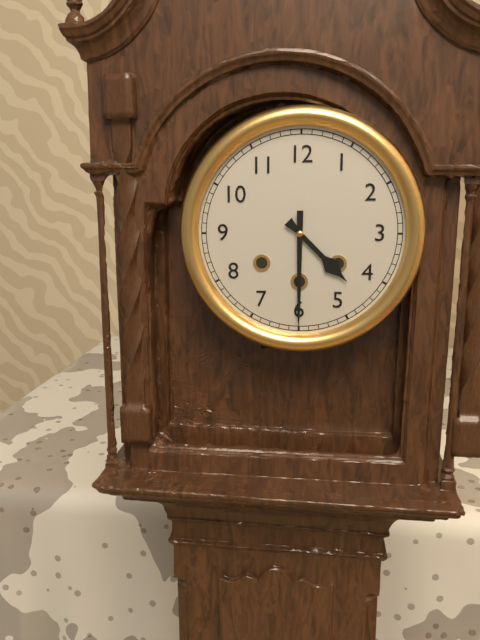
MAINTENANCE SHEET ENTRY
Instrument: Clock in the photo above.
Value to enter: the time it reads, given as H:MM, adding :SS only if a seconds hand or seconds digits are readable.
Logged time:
4:30
